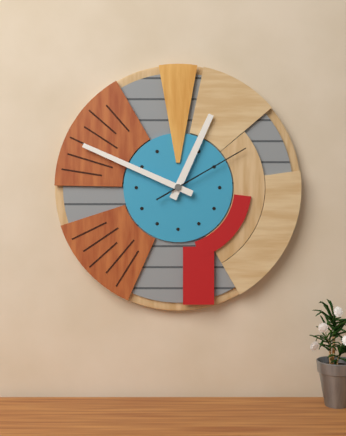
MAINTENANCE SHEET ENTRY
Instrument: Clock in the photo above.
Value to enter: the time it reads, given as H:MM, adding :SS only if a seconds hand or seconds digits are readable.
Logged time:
12:49:10
